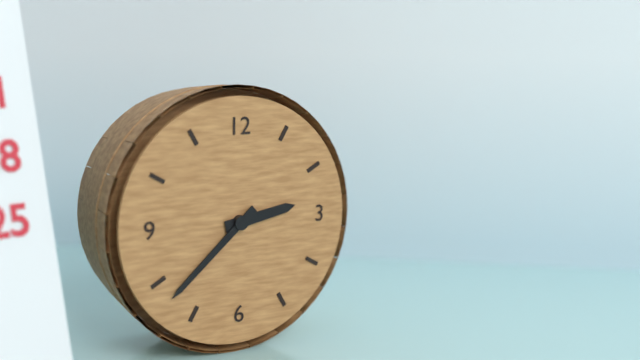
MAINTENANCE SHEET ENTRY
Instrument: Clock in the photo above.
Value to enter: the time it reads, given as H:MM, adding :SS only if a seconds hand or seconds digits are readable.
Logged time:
2:38
